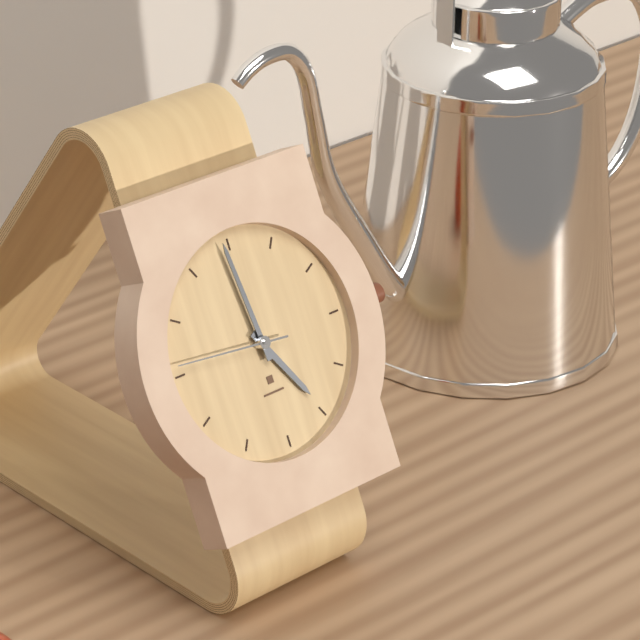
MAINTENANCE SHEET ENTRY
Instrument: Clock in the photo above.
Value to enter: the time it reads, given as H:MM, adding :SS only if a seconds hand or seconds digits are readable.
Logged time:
4:59:46
